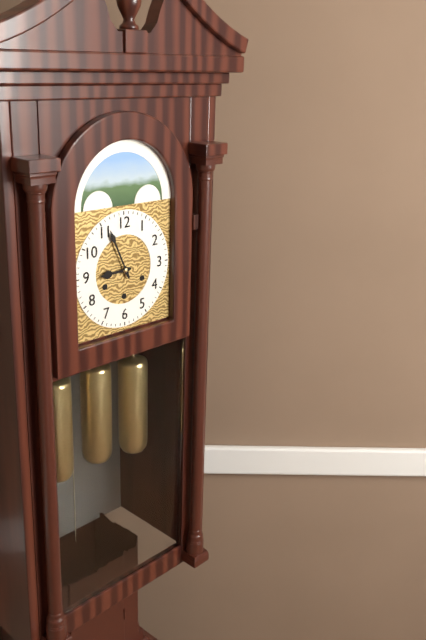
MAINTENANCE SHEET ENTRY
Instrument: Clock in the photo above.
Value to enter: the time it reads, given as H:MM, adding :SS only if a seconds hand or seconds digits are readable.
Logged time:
8:56
